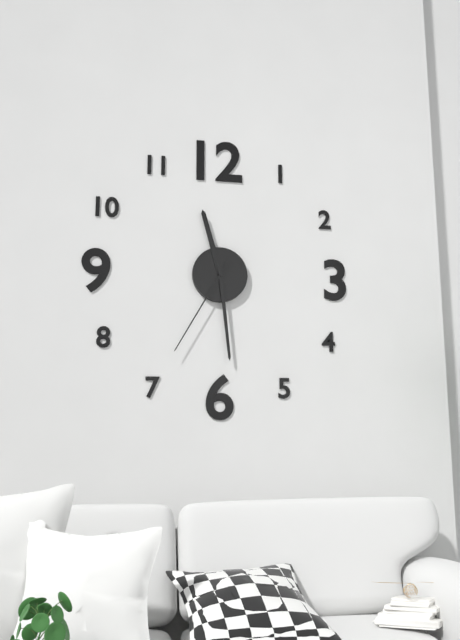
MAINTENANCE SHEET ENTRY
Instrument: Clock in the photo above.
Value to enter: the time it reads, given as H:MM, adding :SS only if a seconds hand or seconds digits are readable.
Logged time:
11:29:35
